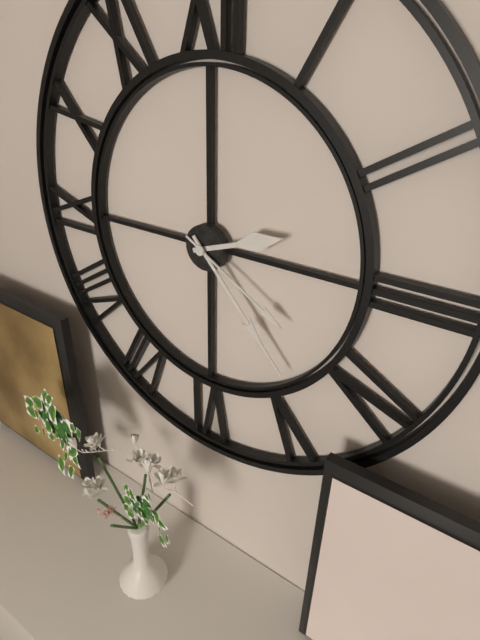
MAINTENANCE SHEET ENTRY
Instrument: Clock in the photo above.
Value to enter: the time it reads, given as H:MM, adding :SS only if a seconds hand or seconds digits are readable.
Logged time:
2:23:20
